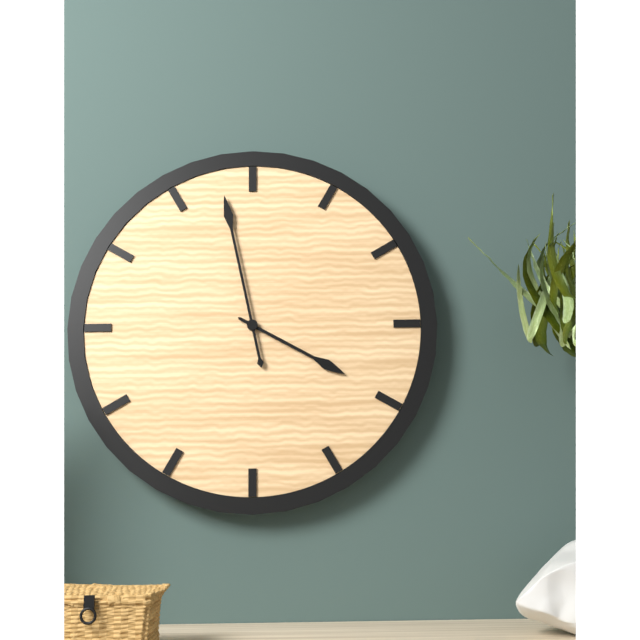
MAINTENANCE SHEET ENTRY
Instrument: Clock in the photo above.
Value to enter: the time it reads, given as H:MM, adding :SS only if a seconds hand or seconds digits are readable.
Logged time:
3:58
